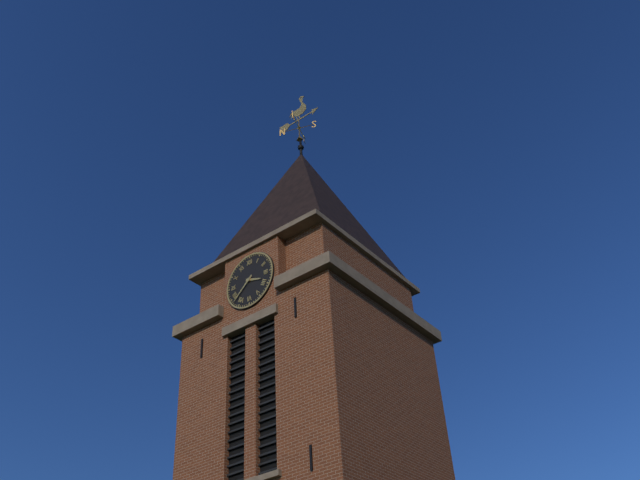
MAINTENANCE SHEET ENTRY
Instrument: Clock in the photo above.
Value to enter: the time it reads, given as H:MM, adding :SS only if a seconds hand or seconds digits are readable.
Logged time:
3:38
